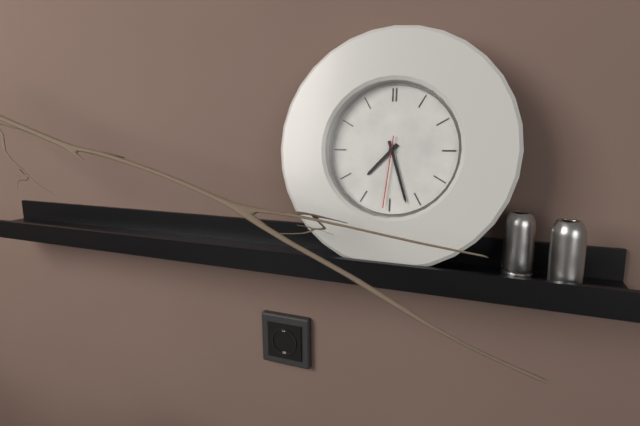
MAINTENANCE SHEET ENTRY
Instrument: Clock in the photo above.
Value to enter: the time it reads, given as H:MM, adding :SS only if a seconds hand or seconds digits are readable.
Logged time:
7:27:31
